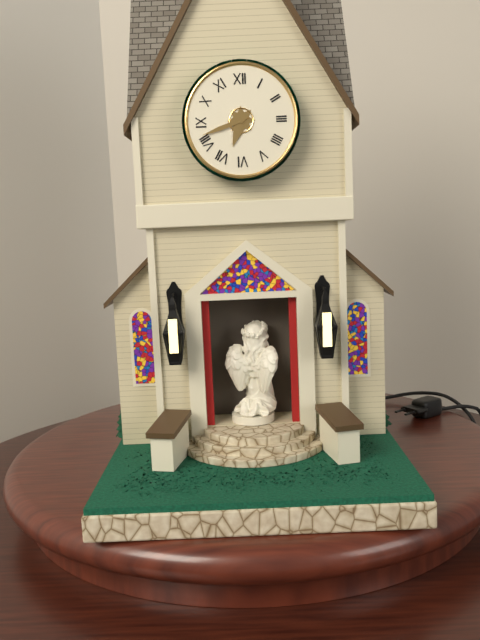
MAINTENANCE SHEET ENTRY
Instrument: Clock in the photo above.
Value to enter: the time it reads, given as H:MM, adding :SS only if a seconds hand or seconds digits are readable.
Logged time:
6:42
